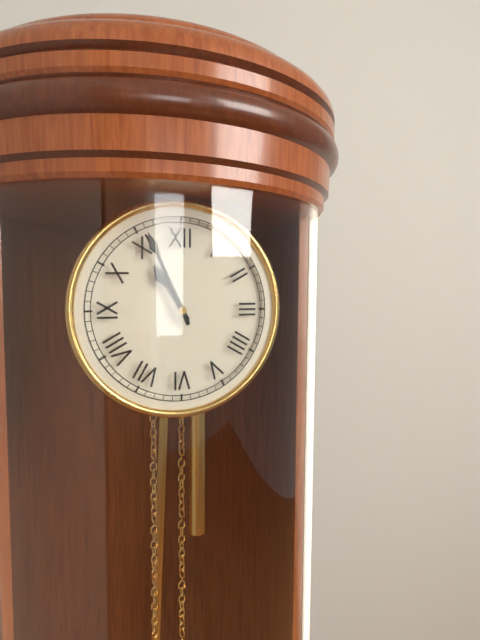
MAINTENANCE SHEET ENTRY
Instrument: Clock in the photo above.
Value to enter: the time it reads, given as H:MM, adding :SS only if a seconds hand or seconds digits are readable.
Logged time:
10:56
